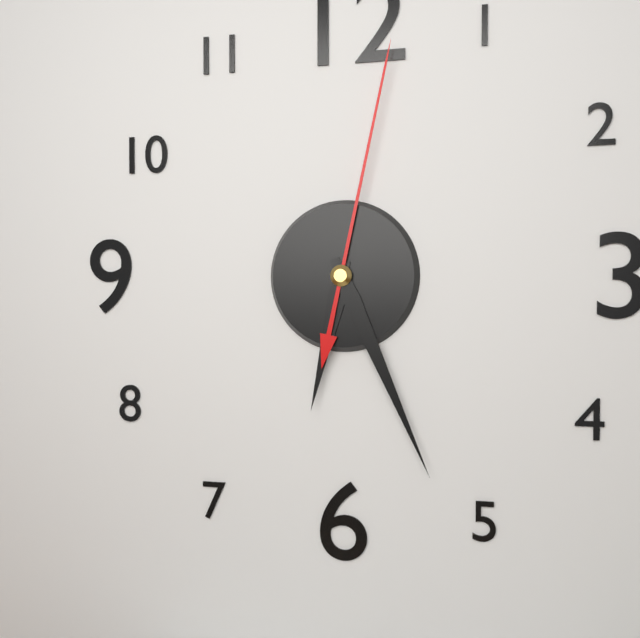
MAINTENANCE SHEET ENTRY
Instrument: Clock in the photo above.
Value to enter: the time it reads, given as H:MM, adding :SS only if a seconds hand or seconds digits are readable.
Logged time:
6:26:02
